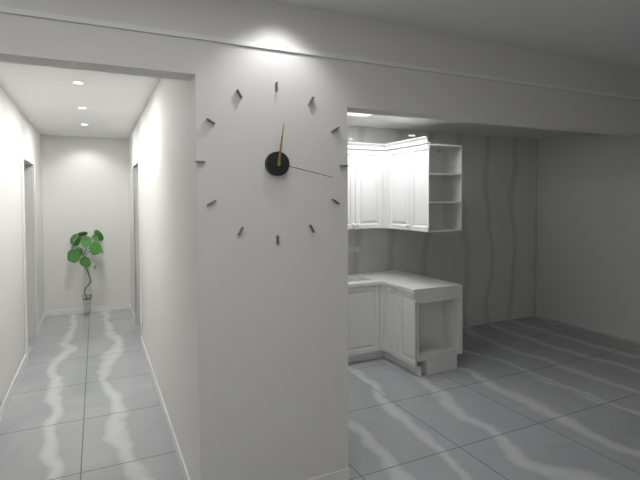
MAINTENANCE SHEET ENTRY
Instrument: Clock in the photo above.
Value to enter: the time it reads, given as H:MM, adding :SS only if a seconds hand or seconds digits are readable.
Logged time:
12:17
